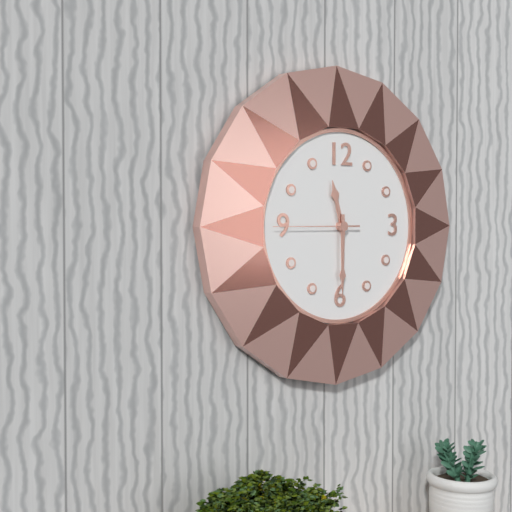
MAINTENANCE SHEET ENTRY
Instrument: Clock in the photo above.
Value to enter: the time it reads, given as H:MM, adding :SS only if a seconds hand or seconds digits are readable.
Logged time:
11:30:45
